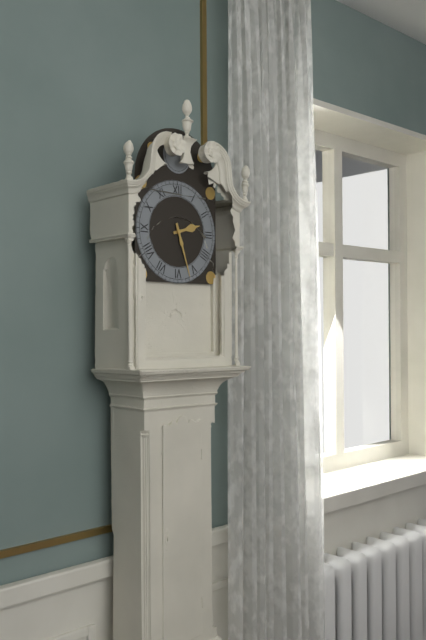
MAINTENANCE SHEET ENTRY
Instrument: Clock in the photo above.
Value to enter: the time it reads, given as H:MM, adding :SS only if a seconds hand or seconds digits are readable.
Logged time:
2:27
